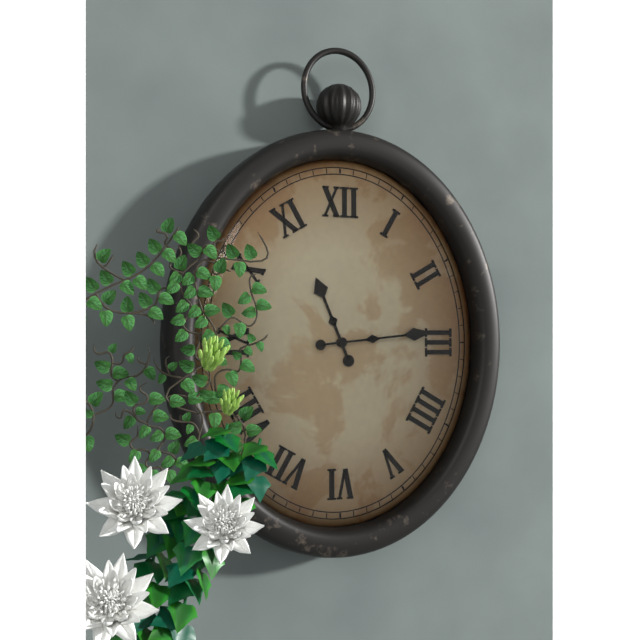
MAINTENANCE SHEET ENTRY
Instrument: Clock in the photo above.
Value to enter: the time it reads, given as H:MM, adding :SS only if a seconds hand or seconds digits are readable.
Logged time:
11:14
